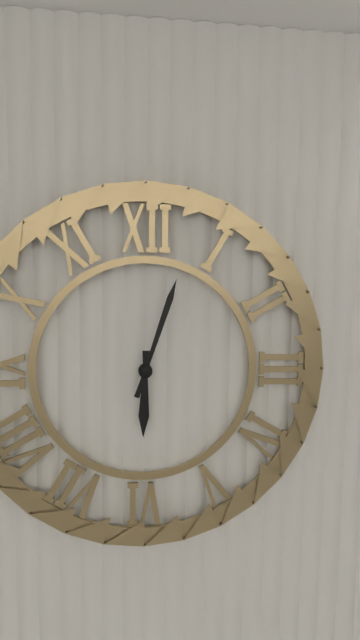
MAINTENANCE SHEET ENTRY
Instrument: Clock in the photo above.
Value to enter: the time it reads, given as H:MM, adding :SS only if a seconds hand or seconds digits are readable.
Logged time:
6:03
